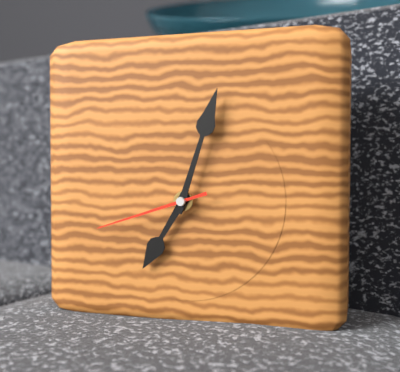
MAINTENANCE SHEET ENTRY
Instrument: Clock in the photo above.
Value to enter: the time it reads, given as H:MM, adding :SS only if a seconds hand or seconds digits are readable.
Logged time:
7:03:42
